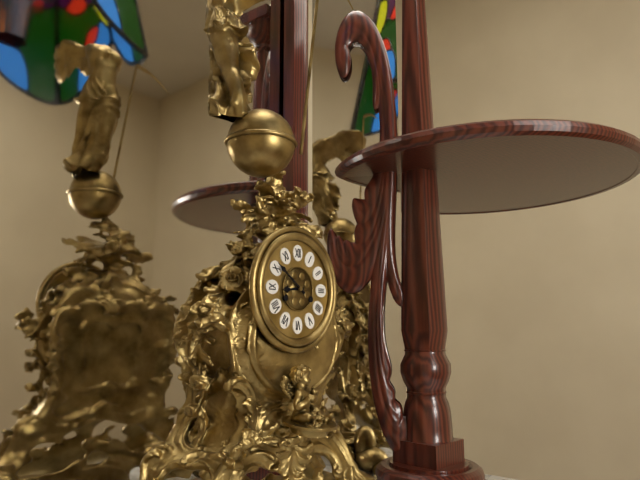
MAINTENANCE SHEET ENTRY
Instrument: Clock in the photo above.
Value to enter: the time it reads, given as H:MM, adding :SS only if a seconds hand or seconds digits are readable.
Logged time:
8:51
